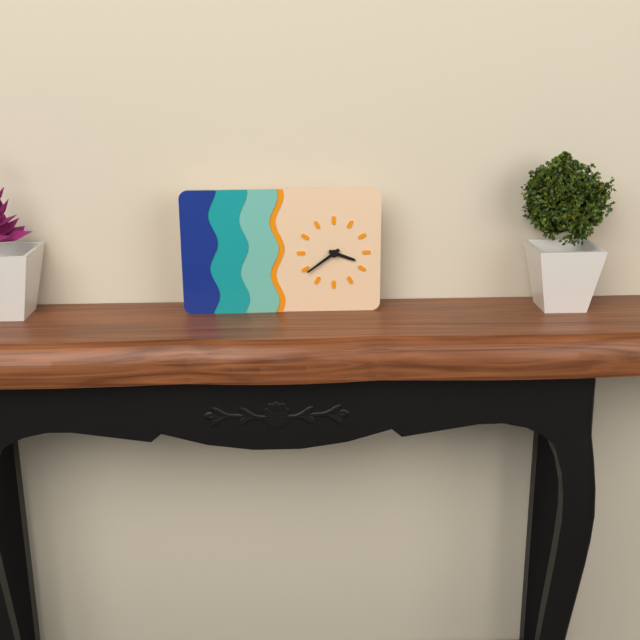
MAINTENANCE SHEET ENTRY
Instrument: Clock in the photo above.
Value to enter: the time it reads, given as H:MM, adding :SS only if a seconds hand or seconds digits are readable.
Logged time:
3:39
